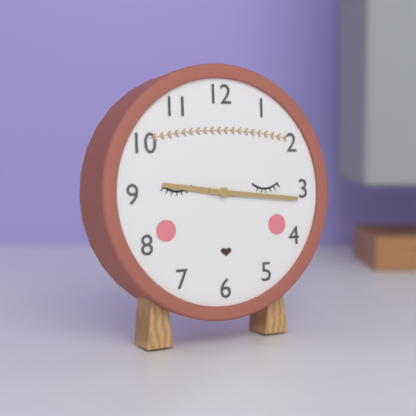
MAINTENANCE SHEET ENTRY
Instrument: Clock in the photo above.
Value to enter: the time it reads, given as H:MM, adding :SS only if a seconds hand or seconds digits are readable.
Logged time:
9:16
